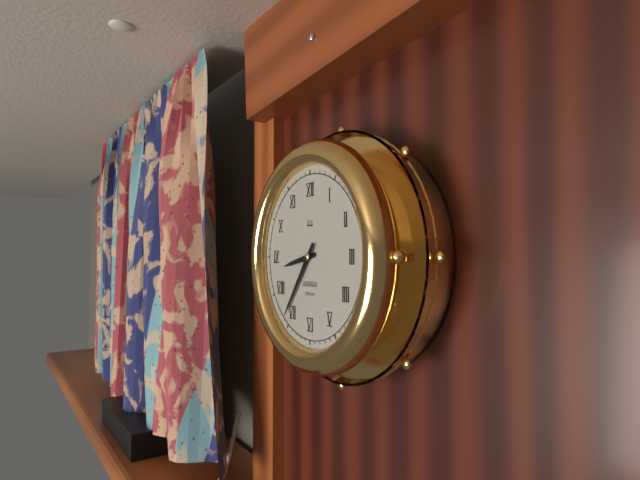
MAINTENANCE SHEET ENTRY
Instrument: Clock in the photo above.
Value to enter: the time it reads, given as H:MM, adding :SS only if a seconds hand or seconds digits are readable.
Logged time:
8:36
